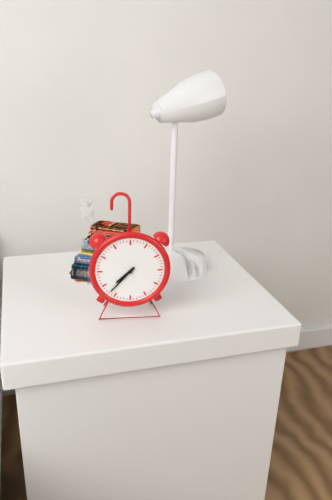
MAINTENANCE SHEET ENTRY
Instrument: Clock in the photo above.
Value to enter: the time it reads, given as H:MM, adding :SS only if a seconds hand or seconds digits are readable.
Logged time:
7:37
